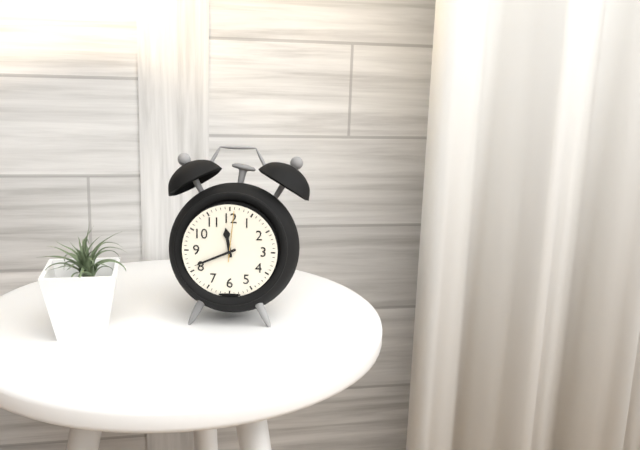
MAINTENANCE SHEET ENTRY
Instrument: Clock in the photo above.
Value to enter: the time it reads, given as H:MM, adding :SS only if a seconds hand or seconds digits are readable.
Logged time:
11:41:01
